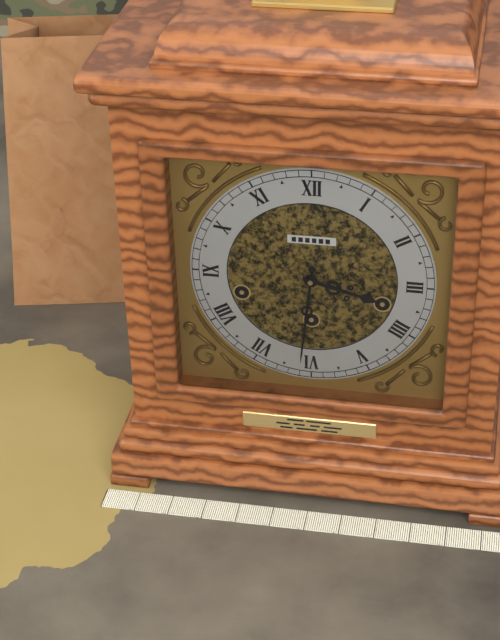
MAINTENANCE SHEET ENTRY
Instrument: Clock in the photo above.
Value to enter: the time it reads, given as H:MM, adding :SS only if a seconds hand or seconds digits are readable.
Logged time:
3:31
